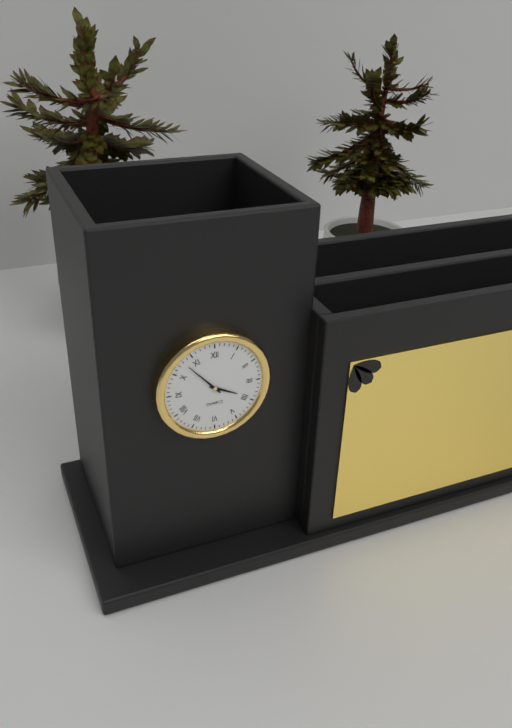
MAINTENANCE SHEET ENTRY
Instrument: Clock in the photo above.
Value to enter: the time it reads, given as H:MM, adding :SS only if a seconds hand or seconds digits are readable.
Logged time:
3:53
